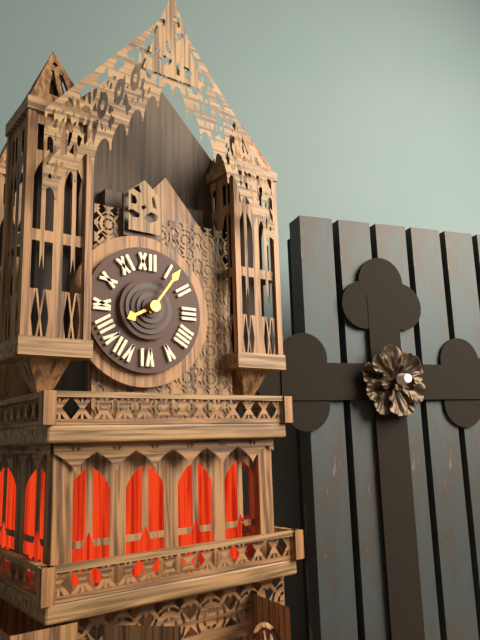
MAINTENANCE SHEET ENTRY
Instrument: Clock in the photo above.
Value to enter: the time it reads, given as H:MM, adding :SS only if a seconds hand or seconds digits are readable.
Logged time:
8:06
